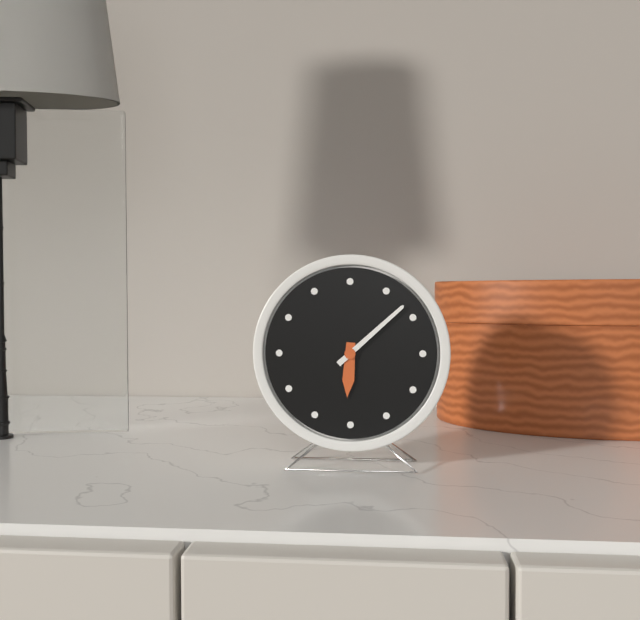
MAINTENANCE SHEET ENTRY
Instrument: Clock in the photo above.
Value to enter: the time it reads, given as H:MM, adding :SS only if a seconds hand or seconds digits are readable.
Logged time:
6:08
